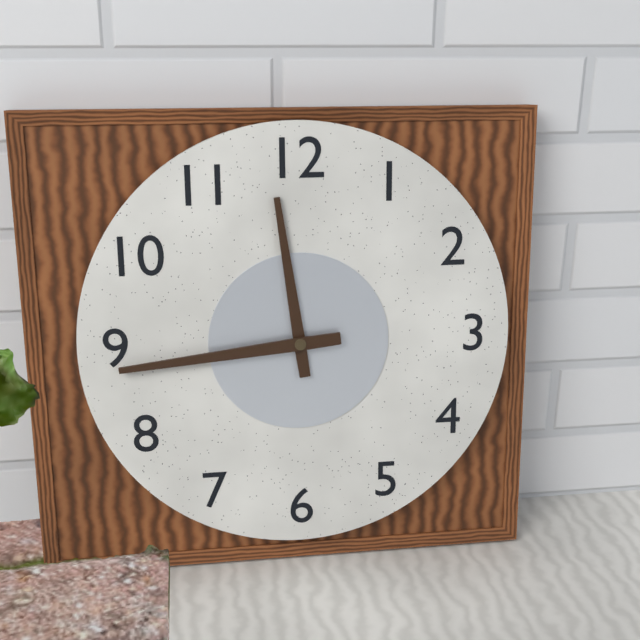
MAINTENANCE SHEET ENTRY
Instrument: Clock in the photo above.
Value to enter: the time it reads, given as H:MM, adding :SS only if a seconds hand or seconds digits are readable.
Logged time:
11:44
